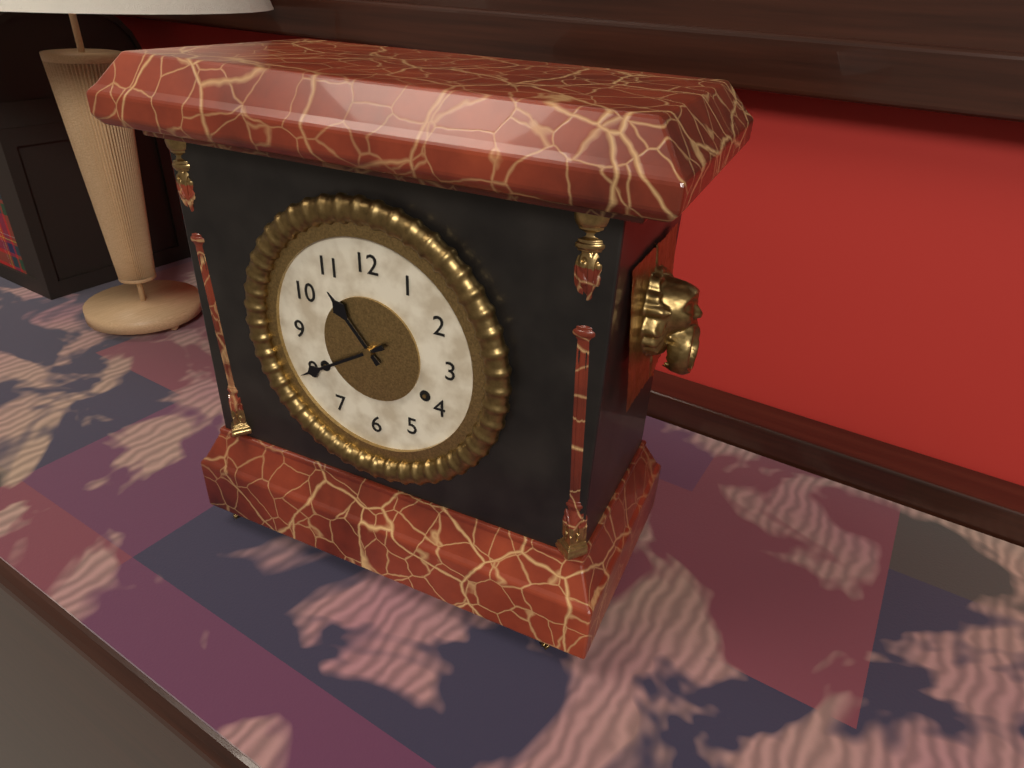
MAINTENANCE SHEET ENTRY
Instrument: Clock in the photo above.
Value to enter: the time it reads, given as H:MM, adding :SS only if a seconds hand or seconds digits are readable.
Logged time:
10:40
